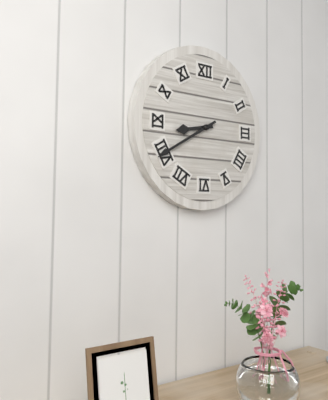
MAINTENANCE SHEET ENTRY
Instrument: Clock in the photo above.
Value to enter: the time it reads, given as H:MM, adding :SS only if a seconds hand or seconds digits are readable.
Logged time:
8:40
